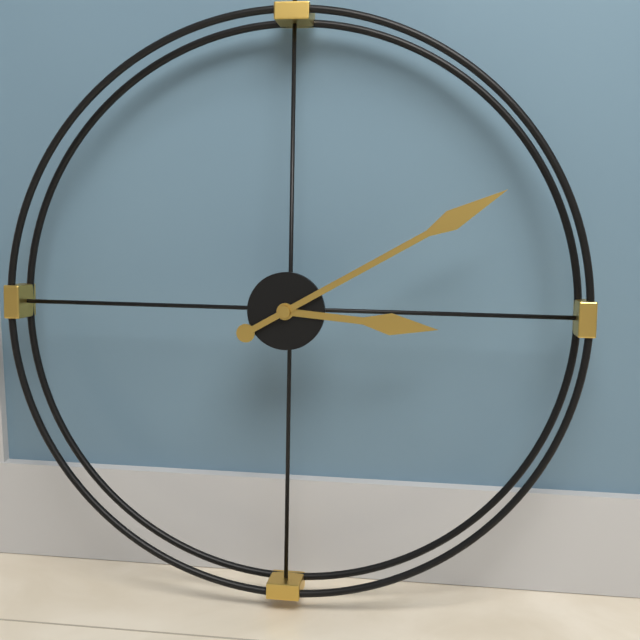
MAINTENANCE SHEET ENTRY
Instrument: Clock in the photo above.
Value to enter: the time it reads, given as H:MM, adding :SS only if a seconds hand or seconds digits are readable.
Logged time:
3:10
